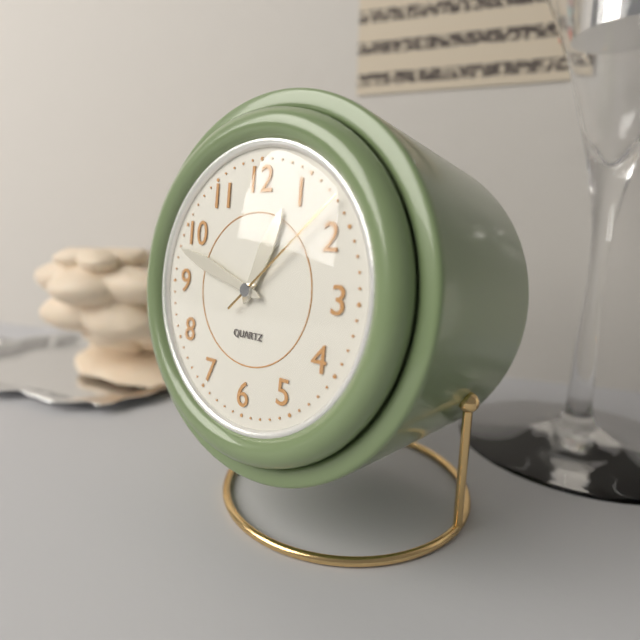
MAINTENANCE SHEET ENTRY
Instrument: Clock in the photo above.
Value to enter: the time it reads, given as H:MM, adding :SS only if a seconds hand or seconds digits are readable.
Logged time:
12:48:08
